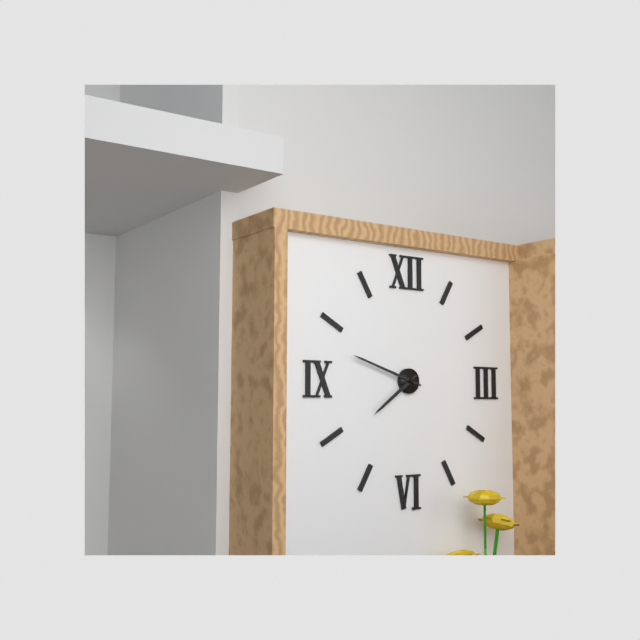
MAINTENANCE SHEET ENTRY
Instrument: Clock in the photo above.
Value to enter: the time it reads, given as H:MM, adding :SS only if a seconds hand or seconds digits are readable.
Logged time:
7:48
